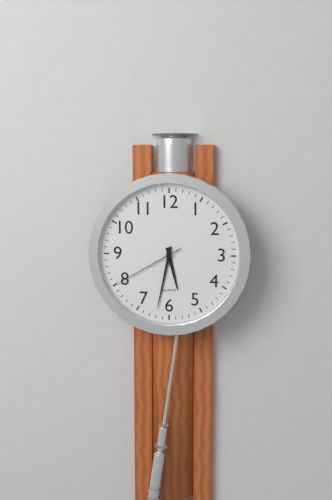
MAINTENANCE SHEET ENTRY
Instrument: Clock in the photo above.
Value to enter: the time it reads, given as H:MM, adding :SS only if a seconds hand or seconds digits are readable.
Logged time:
5:32:40
